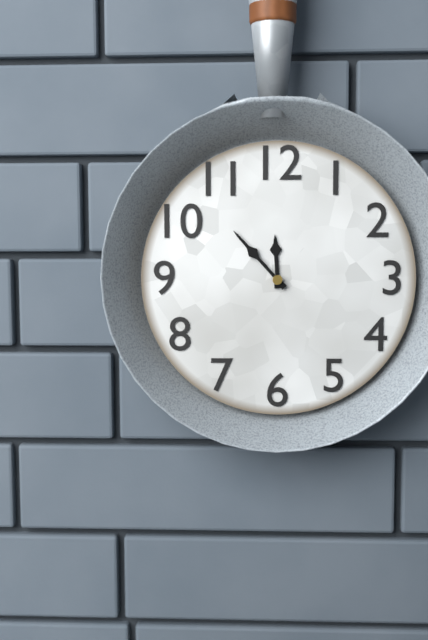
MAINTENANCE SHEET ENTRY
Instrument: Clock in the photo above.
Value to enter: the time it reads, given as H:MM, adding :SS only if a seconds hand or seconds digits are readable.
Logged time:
11:53
